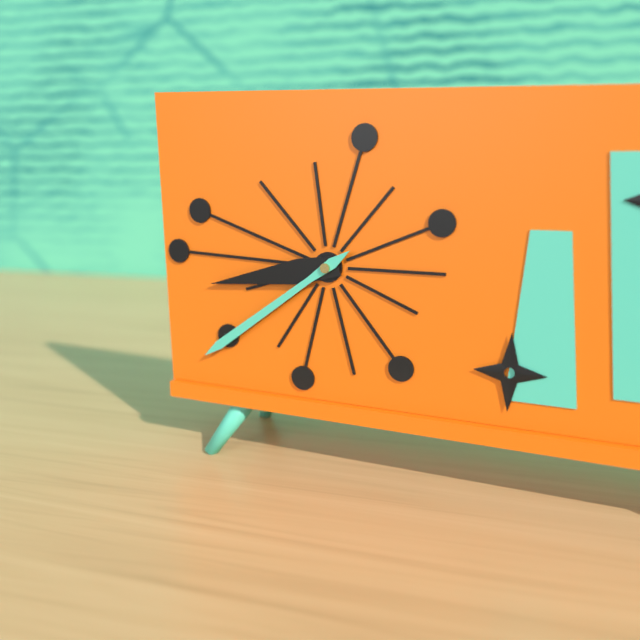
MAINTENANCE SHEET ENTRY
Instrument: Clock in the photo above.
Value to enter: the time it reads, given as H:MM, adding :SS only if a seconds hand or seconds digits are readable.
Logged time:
8:39
